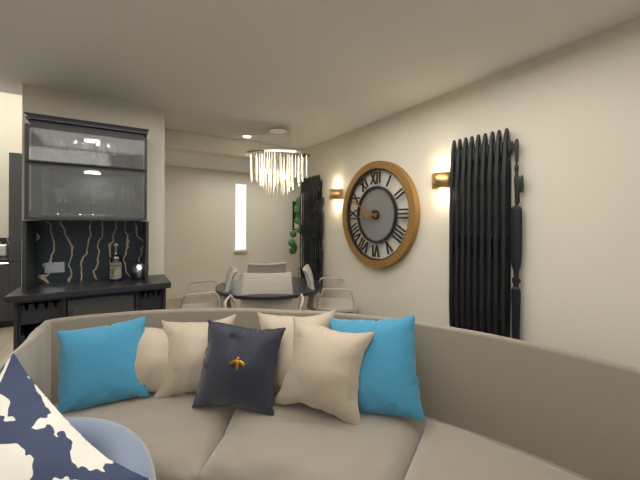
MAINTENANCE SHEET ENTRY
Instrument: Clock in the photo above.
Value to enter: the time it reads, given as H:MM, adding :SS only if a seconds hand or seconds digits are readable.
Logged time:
8:49
